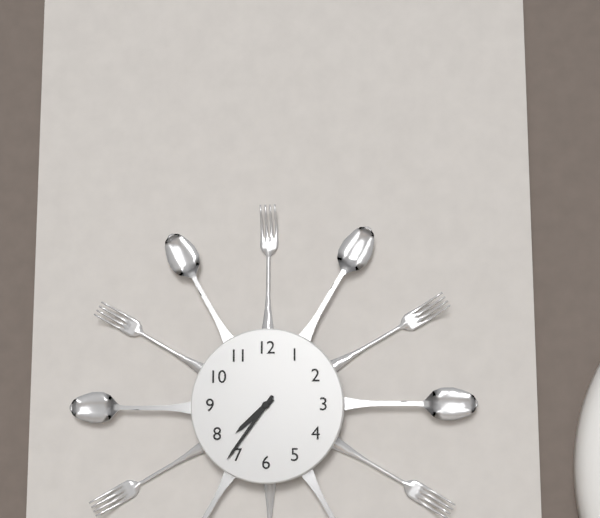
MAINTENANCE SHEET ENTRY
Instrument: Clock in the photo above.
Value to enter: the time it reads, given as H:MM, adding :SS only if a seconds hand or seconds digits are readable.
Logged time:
7:36
